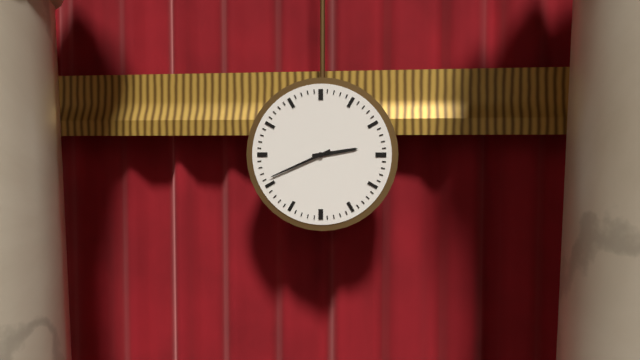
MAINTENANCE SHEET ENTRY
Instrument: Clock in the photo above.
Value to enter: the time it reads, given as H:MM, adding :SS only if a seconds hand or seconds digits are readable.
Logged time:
2:41
